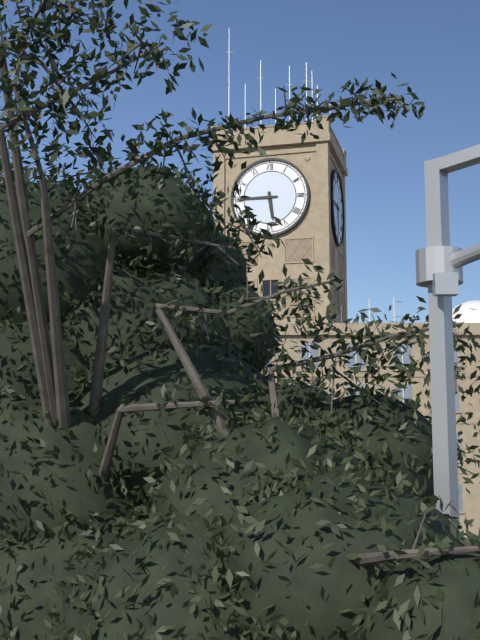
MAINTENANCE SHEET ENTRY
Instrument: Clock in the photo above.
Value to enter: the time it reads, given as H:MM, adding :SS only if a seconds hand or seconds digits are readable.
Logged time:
5:45
